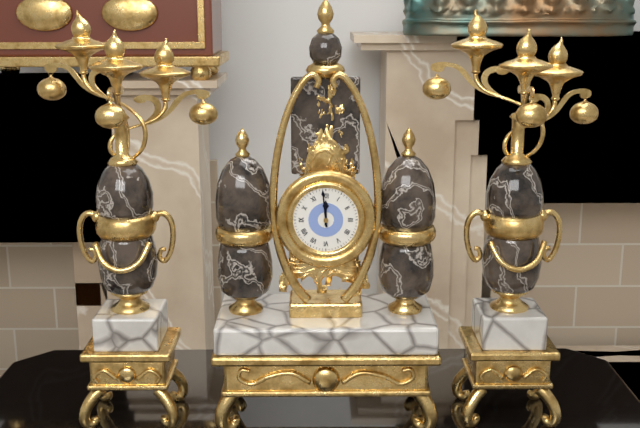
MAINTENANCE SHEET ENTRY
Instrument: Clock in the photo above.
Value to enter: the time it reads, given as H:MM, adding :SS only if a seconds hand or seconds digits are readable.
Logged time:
11:59
